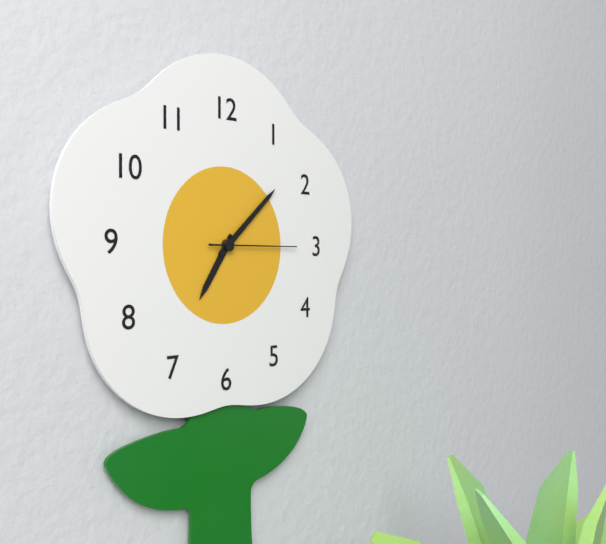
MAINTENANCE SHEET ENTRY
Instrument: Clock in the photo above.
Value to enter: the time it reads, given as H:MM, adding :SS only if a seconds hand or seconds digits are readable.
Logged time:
7:08:15
